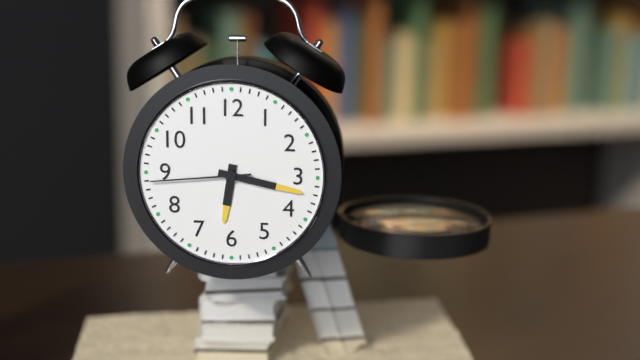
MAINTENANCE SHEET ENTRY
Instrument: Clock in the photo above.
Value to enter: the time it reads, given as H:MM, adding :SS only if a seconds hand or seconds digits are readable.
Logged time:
6:17:44
